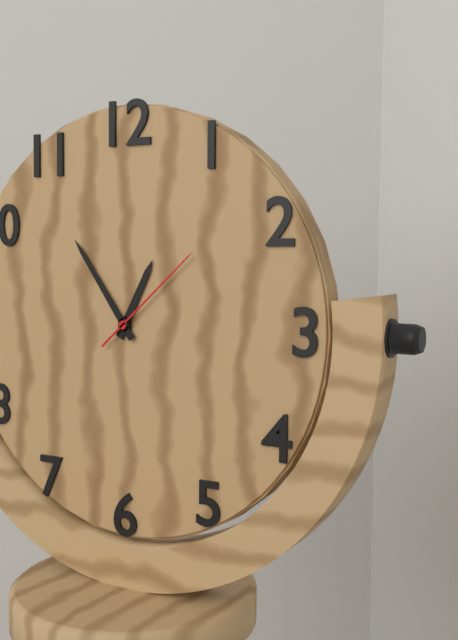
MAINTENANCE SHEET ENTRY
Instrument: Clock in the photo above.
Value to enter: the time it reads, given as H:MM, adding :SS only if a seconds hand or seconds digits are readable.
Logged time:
12:54:08
